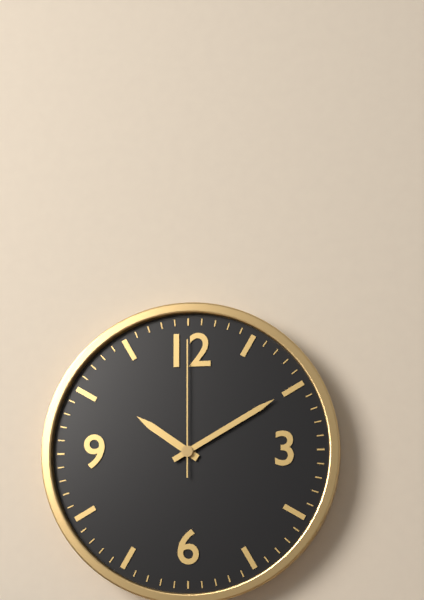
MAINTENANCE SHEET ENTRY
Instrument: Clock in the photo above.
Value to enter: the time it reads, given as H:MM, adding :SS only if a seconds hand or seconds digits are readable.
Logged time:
10:10:00
